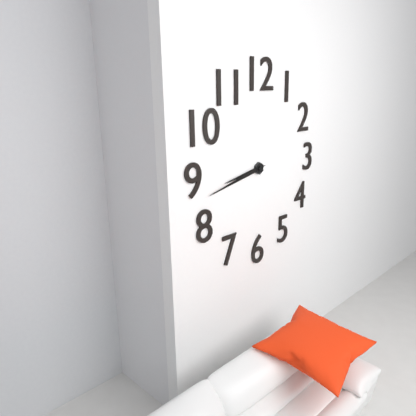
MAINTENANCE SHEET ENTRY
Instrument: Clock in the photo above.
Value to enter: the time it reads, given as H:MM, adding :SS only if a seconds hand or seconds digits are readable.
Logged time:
8:43
